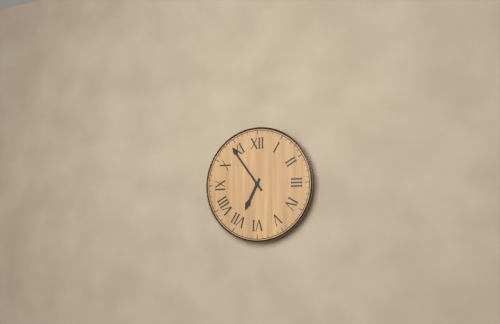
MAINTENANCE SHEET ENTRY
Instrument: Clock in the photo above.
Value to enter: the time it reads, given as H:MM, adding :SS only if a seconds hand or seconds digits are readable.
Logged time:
6:54
